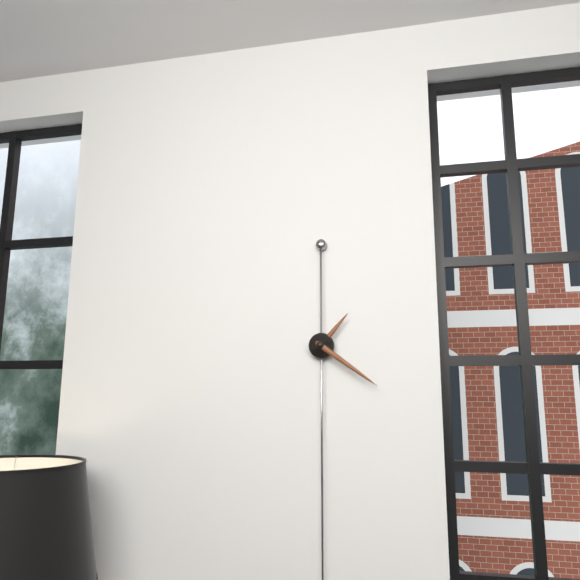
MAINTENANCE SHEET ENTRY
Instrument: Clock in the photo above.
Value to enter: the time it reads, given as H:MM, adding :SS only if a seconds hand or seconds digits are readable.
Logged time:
1:21
